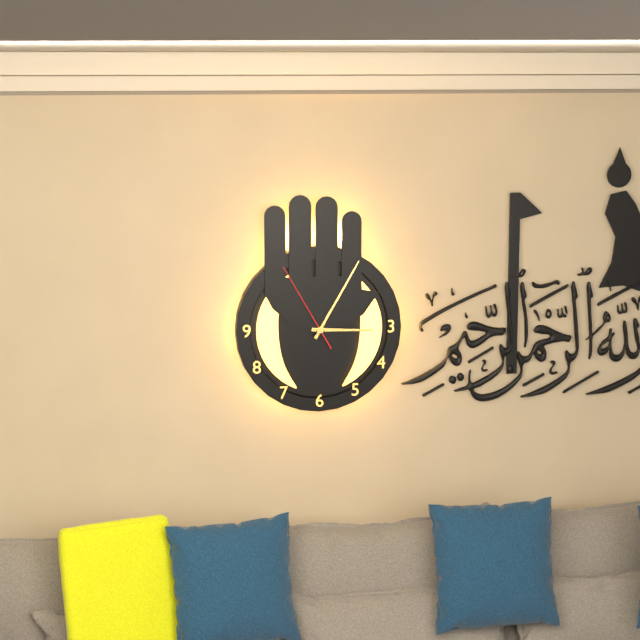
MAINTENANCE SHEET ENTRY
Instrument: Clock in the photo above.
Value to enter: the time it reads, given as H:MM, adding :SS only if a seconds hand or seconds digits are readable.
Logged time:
3:05:55
